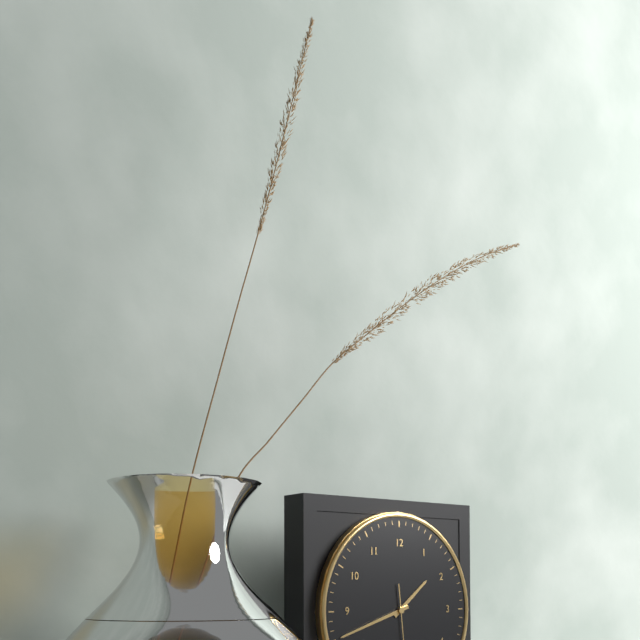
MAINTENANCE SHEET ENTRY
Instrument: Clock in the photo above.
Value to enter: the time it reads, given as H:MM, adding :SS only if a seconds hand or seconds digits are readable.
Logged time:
1:42
